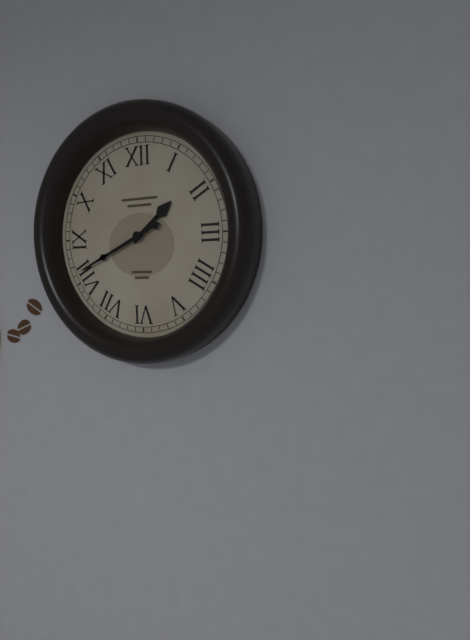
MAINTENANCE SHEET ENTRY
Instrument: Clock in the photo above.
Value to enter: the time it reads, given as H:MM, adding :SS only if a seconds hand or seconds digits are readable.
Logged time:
1:41
